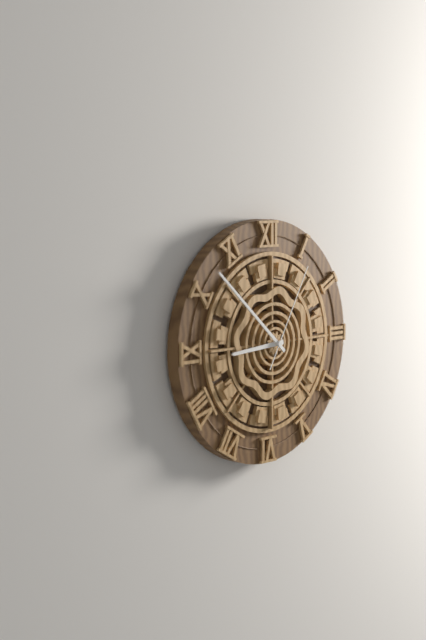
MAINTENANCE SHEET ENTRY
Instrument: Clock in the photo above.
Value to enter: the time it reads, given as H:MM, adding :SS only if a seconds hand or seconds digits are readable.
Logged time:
8:52:05
